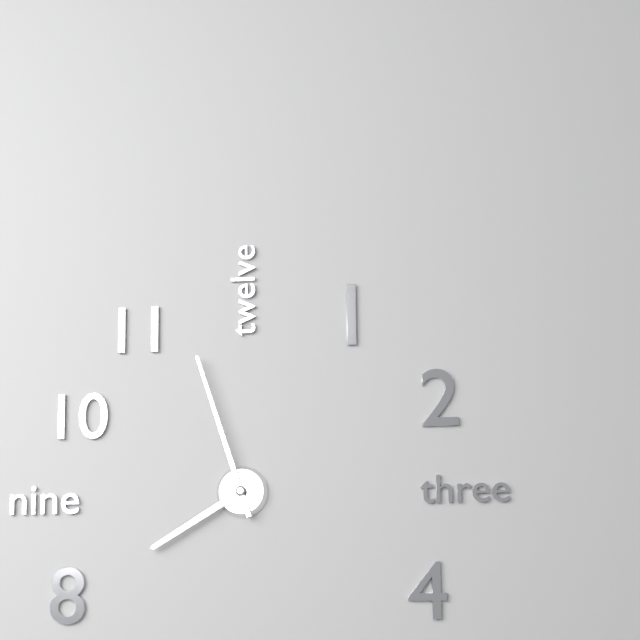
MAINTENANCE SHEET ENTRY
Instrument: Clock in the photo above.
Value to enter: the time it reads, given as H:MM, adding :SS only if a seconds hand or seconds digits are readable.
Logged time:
7:57
